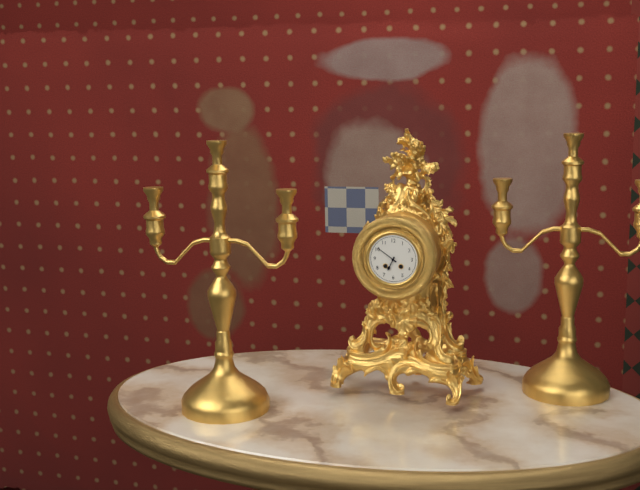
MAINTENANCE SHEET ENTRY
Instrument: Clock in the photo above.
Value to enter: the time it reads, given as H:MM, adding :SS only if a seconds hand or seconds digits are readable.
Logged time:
6:51
